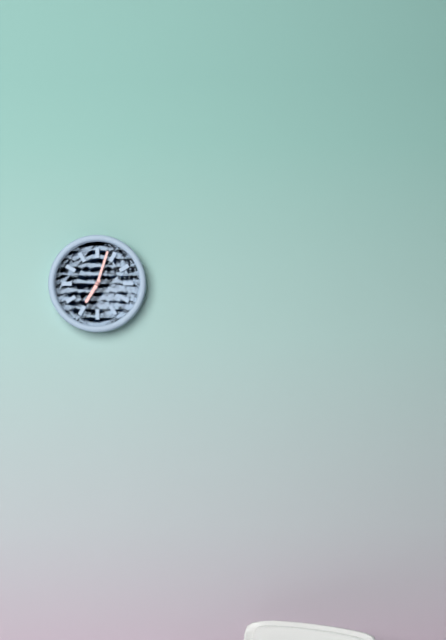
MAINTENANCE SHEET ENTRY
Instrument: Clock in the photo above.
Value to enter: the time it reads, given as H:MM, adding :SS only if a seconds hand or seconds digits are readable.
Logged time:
7:03
